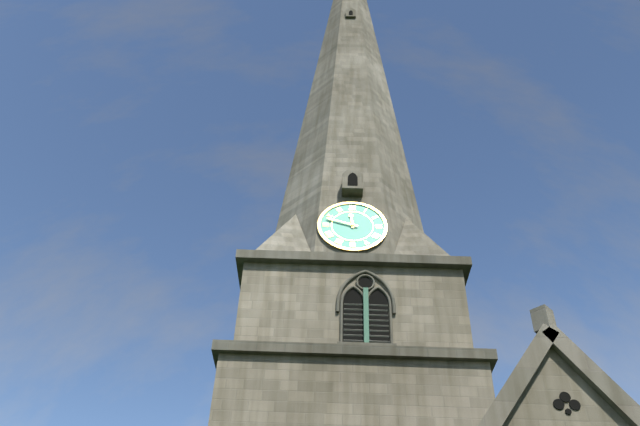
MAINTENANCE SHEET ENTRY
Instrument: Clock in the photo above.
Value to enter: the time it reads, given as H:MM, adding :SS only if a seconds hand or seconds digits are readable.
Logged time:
11:48
